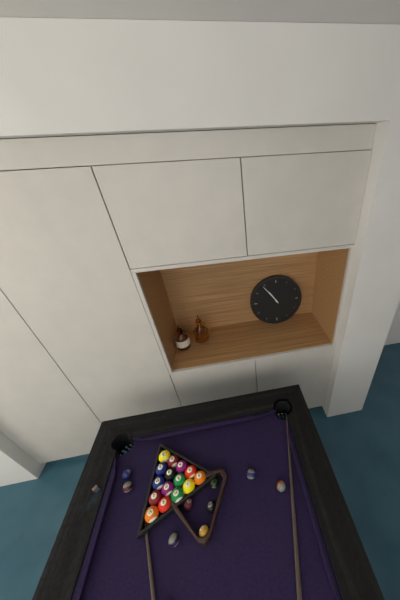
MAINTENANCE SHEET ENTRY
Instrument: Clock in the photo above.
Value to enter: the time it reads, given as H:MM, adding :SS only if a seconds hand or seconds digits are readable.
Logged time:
10:54
